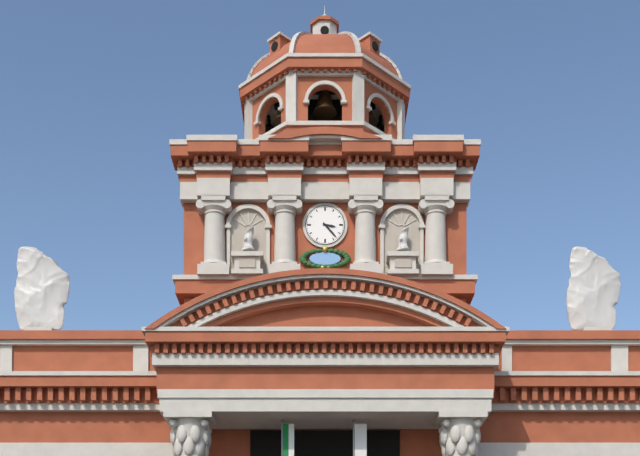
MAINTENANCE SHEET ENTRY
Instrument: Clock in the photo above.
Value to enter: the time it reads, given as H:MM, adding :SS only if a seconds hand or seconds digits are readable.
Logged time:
3:23
